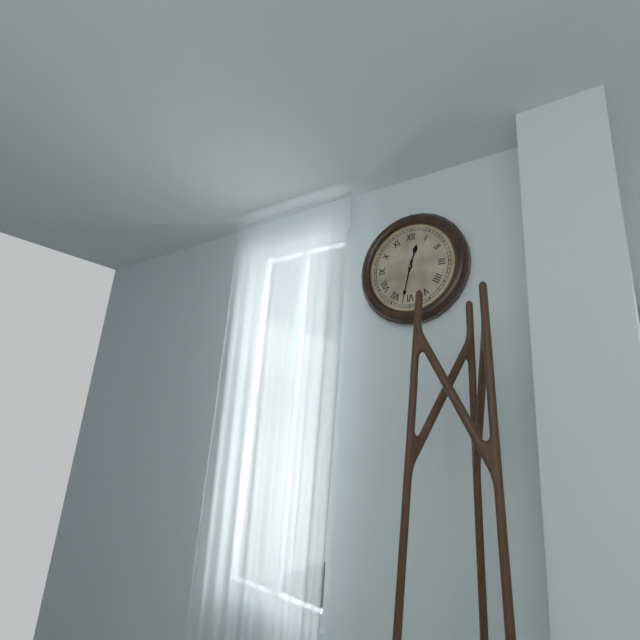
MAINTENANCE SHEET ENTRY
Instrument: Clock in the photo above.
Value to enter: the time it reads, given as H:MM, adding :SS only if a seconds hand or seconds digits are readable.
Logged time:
12:32
